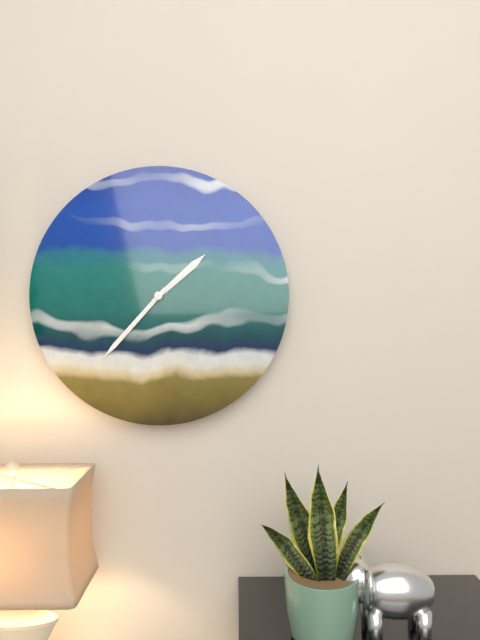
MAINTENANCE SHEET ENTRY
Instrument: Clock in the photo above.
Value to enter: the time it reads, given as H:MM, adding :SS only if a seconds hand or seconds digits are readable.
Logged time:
1:37
